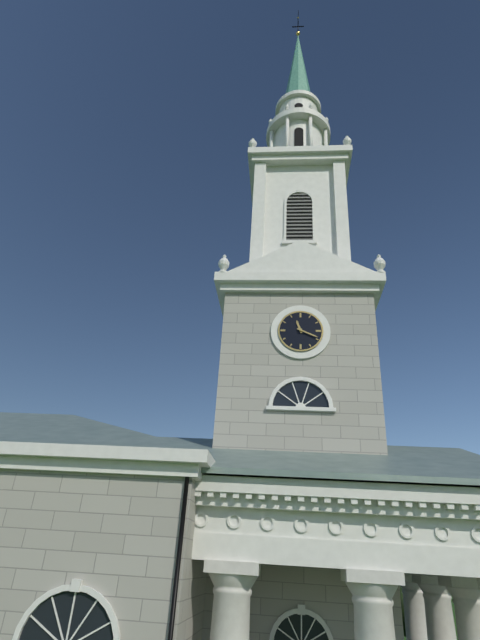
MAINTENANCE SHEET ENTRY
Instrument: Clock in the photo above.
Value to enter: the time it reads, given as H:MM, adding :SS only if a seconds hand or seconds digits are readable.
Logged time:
11:19
